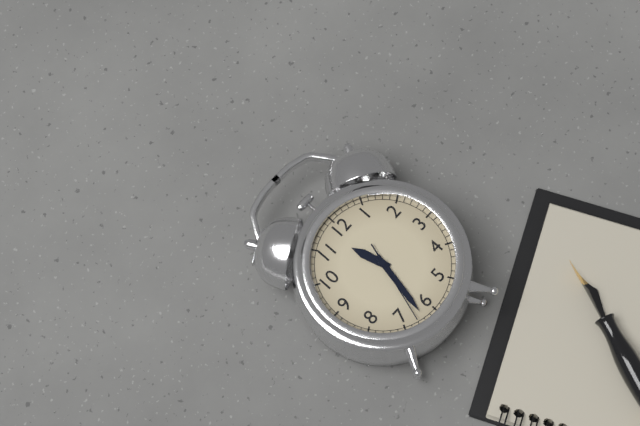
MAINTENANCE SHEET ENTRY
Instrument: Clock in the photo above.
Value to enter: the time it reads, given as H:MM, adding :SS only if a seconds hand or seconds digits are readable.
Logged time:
11:32:33
